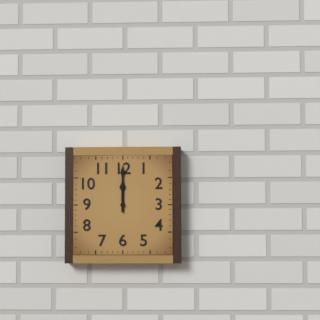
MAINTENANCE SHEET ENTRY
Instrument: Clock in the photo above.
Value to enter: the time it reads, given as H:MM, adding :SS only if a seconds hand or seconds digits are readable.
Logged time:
12:00
